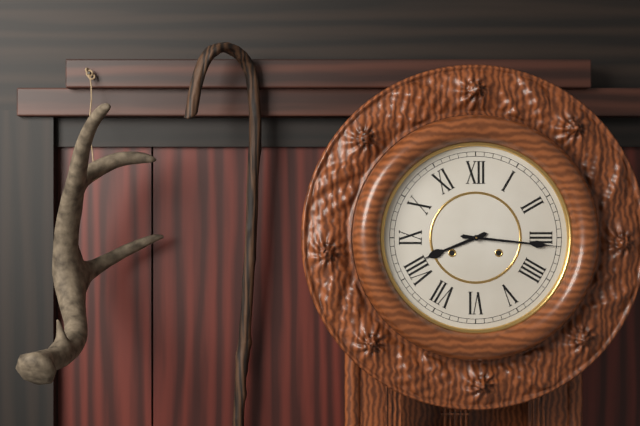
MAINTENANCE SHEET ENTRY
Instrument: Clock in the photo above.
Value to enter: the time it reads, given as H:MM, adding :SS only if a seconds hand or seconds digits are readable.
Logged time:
8:16
